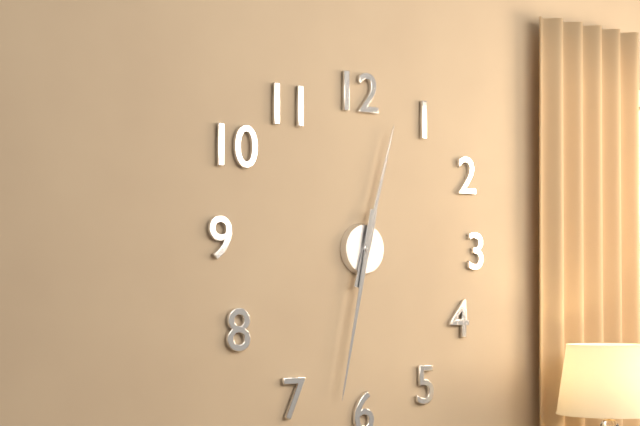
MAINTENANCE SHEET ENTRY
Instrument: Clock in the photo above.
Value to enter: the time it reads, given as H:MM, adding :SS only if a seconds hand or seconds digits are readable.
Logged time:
12:32
